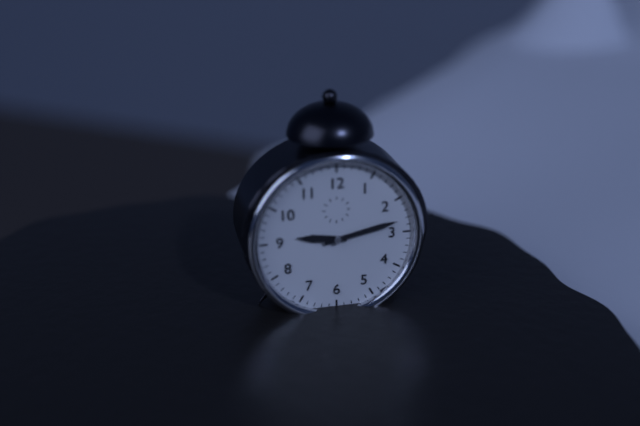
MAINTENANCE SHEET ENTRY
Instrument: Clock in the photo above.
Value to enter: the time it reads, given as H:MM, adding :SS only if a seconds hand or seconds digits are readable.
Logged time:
9:13
